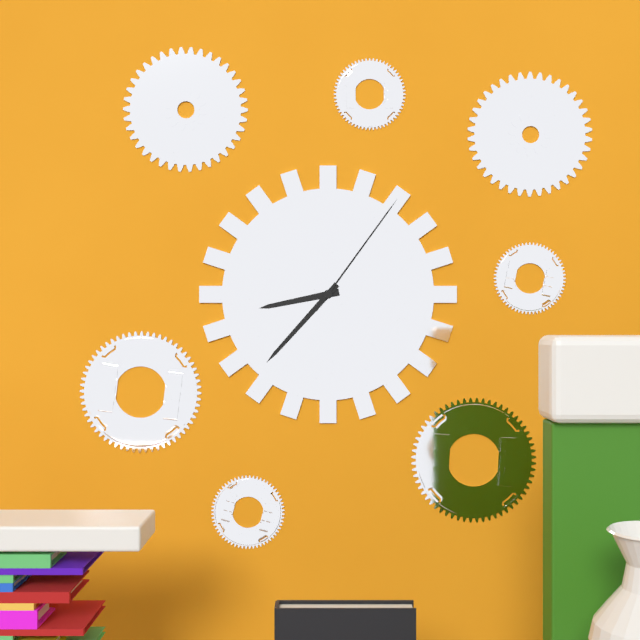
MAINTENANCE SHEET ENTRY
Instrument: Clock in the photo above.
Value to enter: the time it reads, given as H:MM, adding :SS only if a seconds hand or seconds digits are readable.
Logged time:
8:37:06
